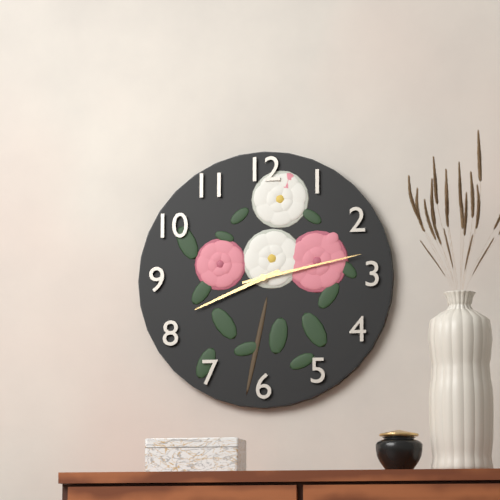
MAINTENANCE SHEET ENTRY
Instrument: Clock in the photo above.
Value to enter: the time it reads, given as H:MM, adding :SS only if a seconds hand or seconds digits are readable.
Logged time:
8:13
